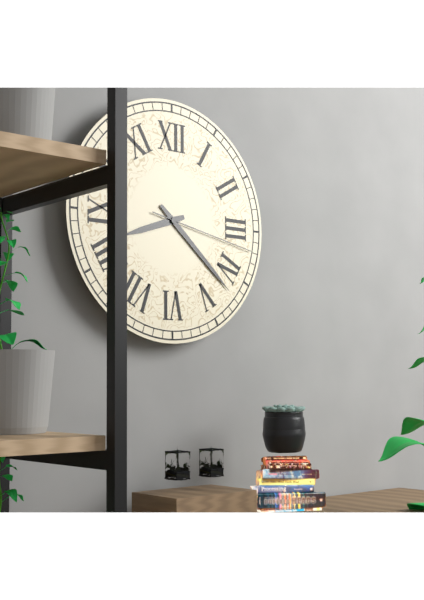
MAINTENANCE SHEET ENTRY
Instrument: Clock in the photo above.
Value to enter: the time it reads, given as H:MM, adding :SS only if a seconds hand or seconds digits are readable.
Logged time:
8:22:17
